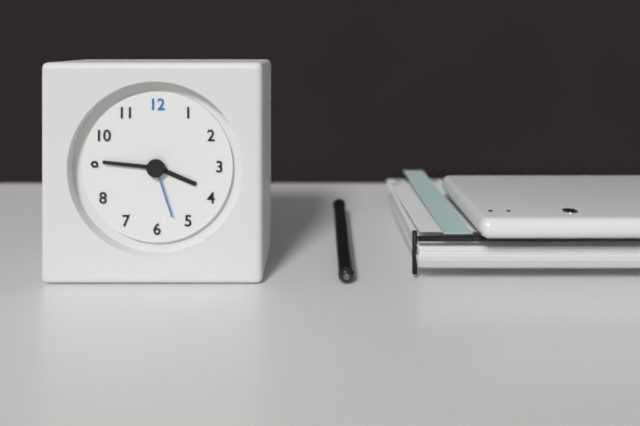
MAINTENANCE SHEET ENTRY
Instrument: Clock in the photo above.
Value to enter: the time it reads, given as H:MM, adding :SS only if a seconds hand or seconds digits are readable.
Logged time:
3:46:27
